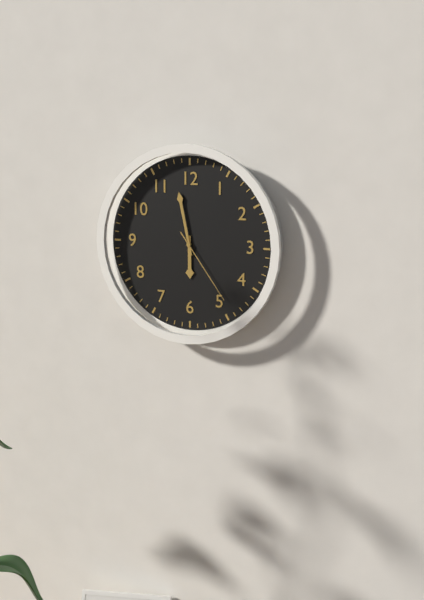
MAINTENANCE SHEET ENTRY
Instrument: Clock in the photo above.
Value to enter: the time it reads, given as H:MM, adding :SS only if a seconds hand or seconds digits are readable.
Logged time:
5:58:24
